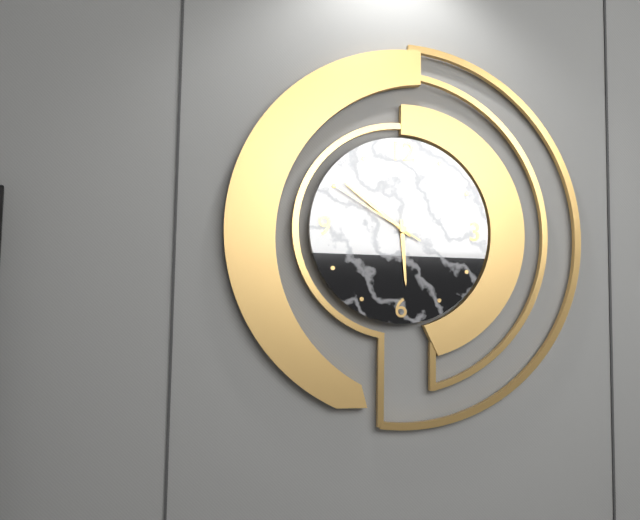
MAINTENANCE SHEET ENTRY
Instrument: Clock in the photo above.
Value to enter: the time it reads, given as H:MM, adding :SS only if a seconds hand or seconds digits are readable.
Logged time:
5:51:50
